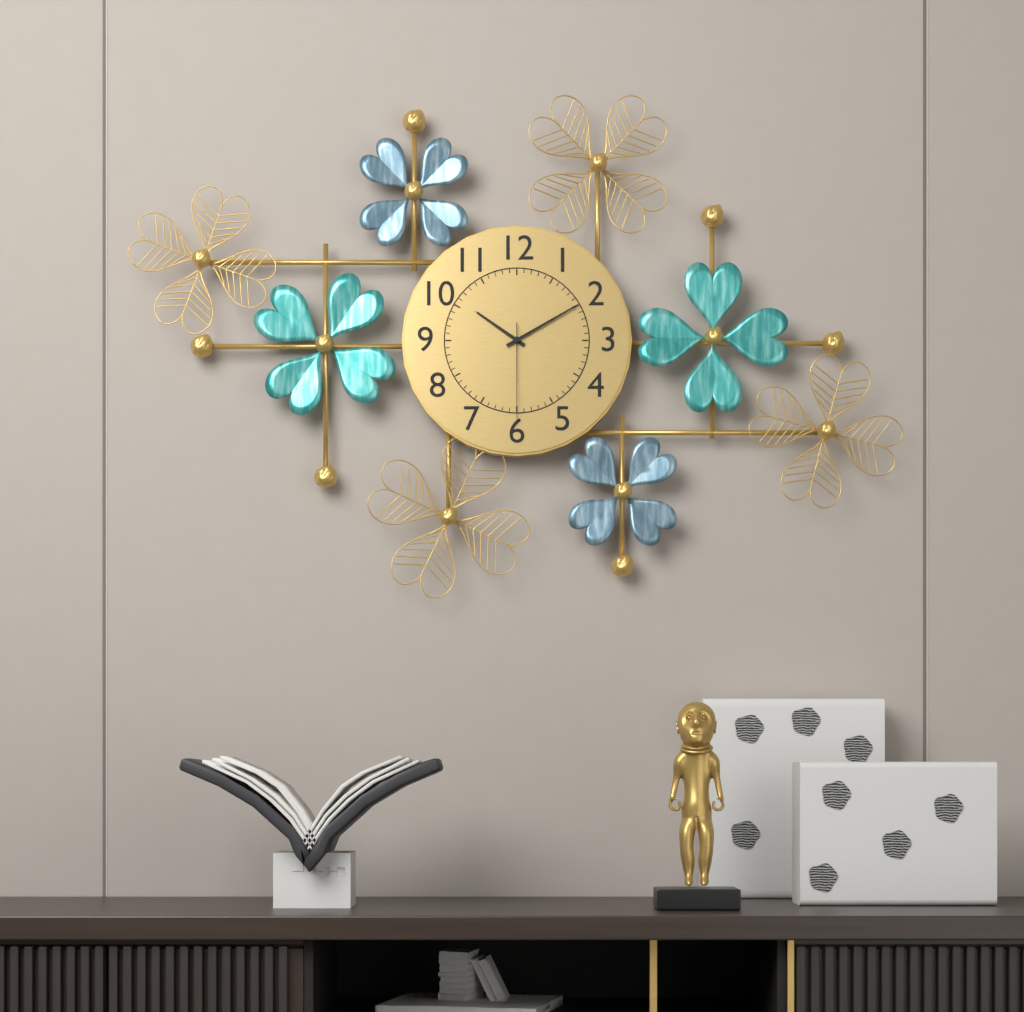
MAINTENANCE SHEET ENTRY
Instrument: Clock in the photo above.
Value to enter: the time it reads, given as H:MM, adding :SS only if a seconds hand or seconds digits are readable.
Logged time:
10:10:30
